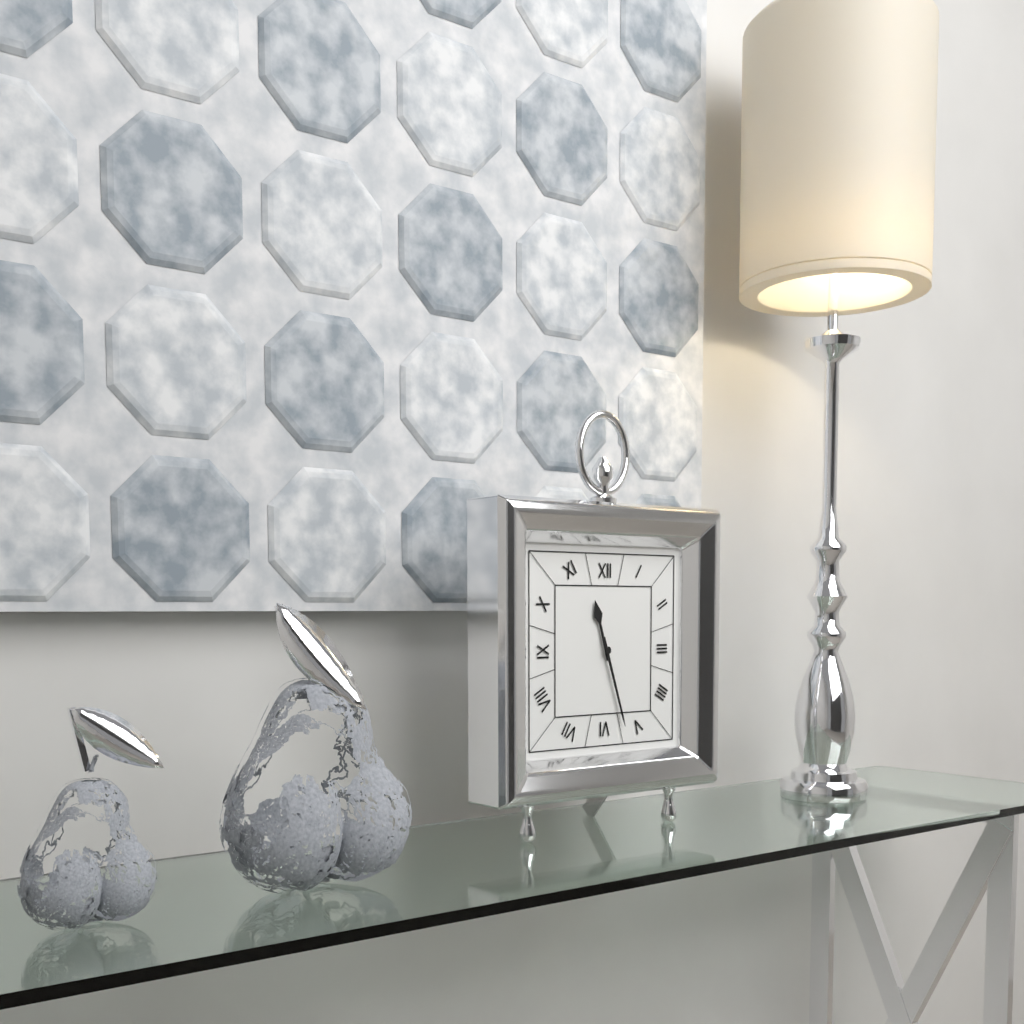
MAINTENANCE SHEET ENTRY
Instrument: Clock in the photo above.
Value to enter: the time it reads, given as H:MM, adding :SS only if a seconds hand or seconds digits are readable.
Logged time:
11:27
